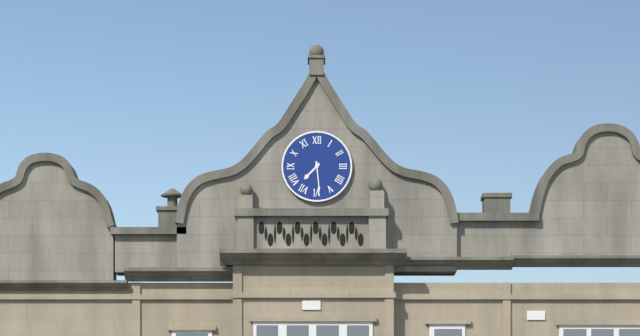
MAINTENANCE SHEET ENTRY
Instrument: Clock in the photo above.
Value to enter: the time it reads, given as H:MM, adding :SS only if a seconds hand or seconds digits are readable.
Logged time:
7:29
